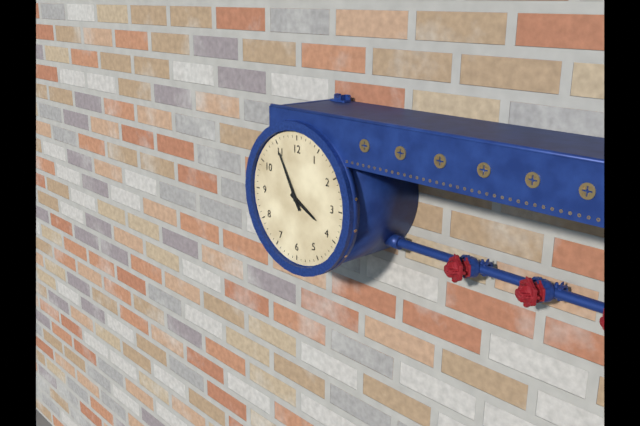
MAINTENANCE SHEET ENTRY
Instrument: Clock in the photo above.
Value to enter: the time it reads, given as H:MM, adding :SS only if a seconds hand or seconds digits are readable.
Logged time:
3:55
